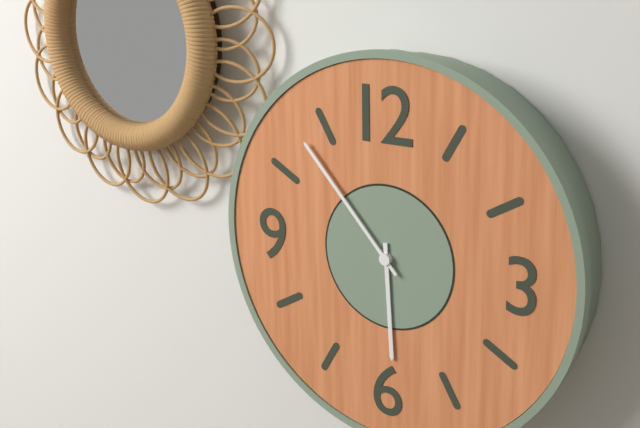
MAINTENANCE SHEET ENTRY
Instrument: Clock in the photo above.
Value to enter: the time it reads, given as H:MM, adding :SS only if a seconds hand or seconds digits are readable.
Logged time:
5:53
